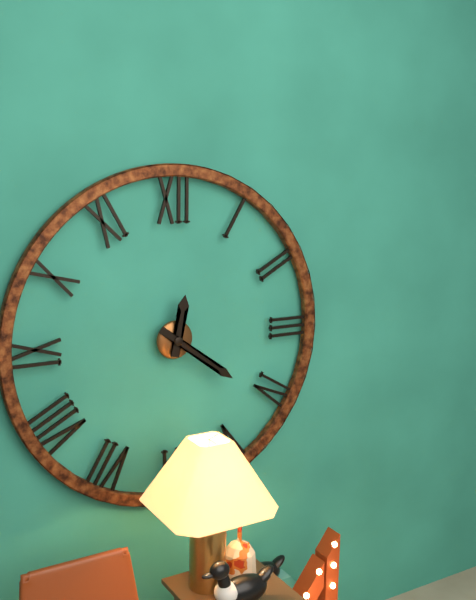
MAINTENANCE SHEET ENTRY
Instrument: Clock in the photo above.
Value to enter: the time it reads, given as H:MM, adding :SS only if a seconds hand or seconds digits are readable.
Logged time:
12:21
